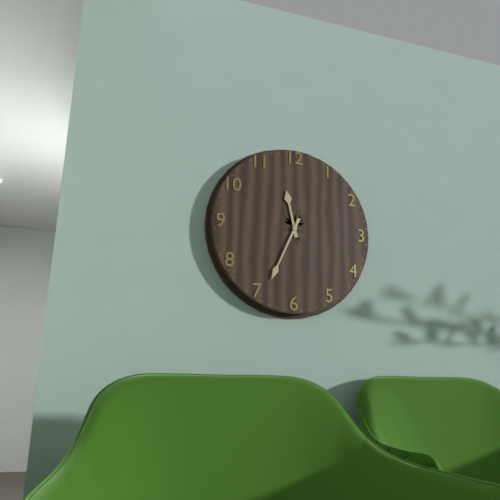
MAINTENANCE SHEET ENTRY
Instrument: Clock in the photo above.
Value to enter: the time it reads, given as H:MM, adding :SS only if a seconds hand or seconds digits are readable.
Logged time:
11:34
